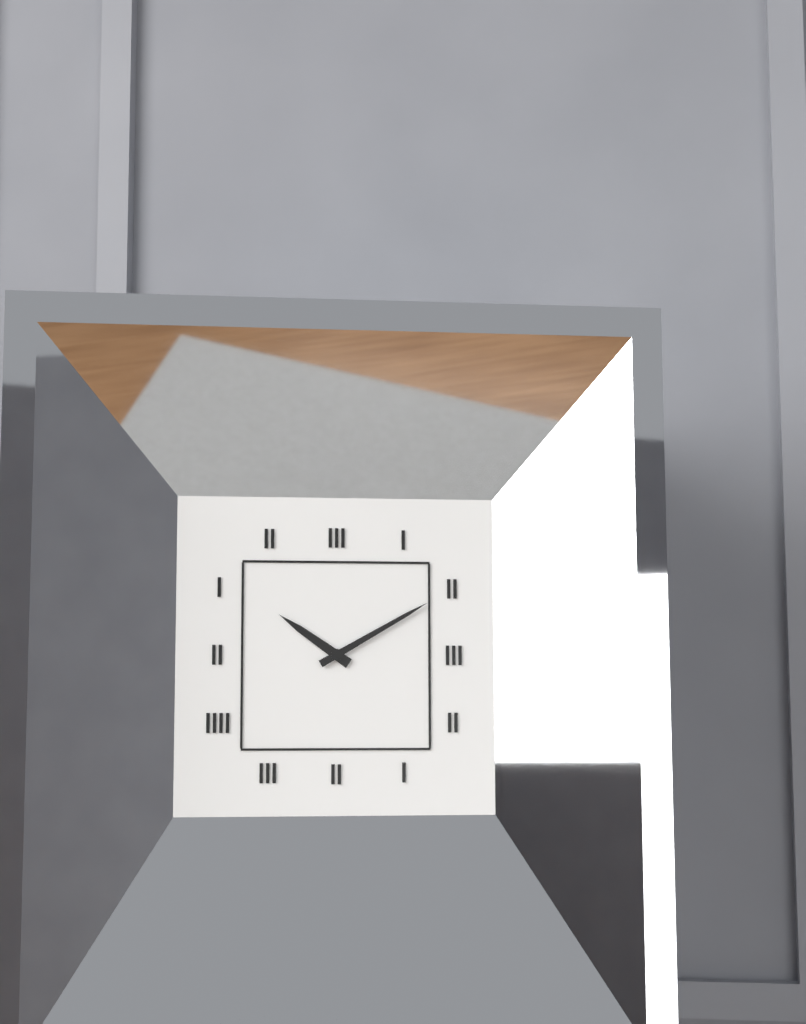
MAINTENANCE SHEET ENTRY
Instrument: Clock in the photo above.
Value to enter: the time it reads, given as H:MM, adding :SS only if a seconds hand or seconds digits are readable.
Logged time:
10:10
